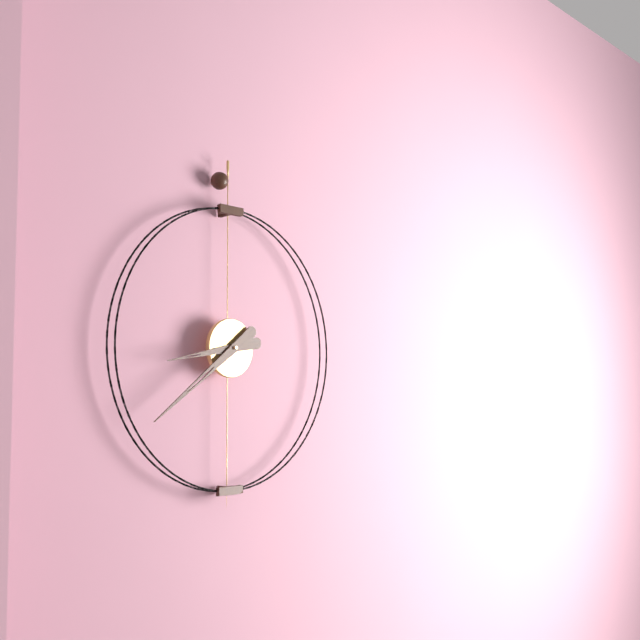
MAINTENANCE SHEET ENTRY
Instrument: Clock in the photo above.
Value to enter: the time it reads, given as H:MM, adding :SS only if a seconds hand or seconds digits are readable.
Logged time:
8:39
